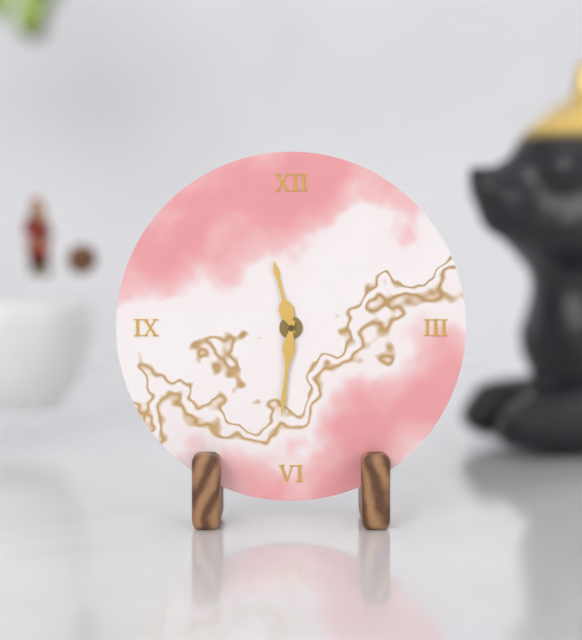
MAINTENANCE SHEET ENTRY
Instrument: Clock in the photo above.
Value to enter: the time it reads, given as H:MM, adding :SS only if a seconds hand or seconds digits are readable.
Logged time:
11:31
